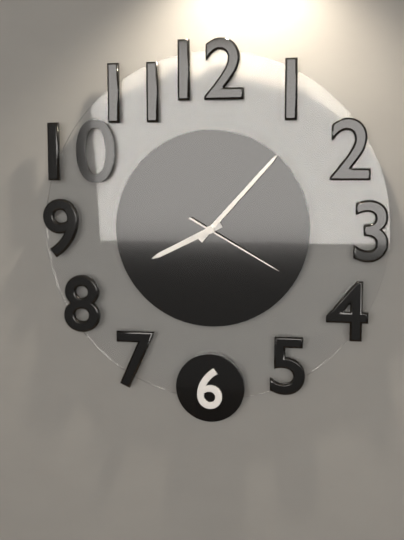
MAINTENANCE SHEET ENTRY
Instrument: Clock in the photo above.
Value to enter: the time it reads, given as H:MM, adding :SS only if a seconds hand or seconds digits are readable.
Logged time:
8:07:20
